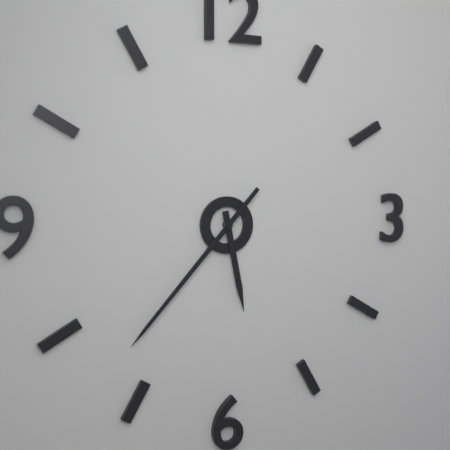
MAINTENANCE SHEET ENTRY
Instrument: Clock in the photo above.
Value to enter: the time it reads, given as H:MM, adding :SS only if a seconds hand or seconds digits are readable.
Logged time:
5:37
